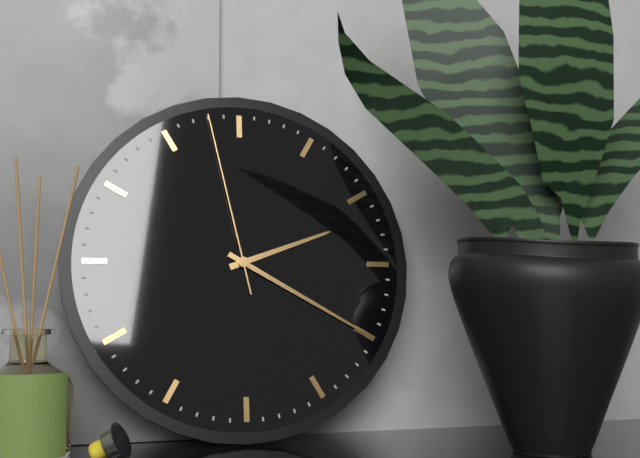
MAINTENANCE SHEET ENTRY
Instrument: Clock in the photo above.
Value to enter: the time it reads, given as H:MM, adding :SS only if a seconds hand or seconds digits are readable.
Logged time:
2:20:58
